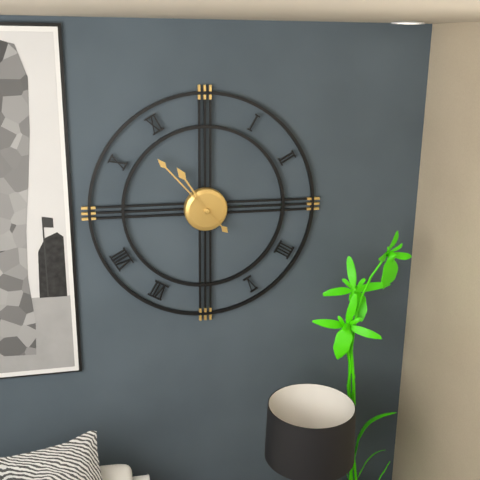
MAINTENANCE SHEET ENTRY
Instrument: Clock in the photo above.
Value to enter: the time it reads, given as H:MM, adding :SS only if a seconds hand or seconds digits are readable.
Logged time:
10:53
